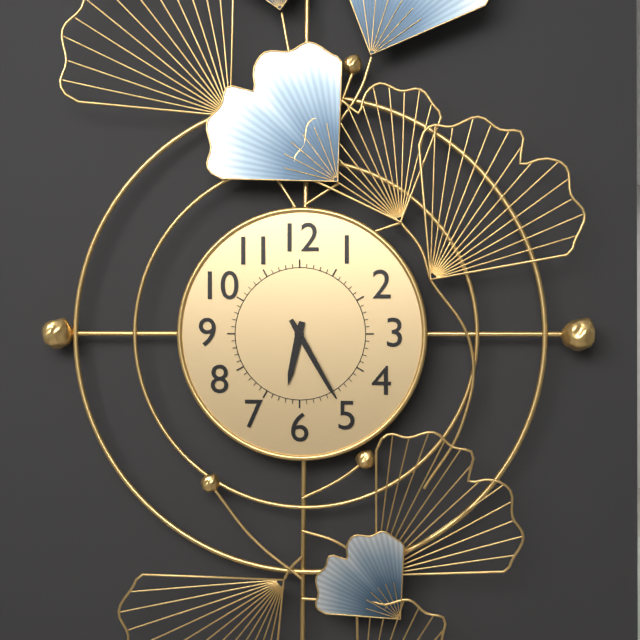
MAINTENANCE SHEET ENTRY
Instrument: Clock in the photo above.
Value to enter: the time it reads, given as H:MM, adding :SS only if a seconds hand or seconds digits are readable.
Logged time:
6:25
